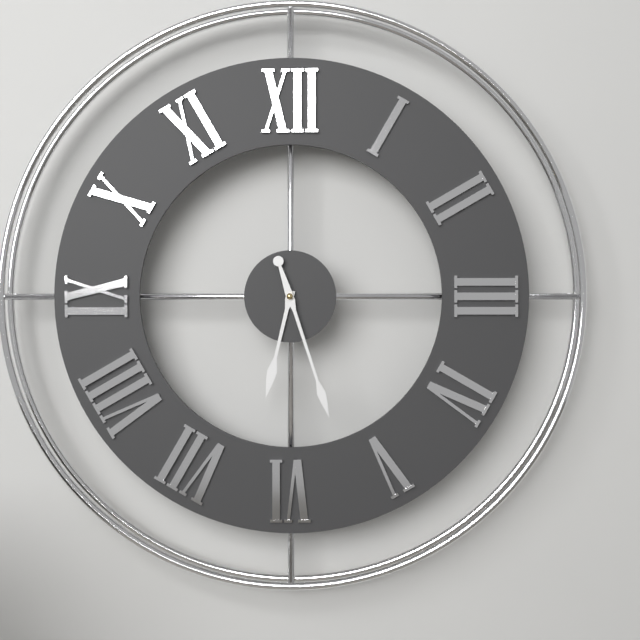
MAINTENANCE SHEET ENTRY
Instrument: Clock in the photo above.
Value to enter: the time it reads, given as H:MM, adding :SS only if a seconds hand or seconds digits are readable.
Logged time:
6:27
